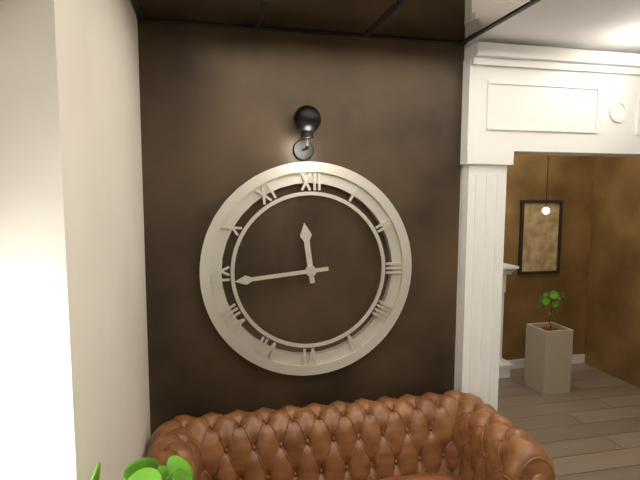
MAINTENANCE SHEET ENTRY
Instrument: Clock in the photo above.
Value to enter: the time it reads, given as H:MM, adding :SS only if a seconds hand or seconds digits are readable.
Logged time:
11:44
